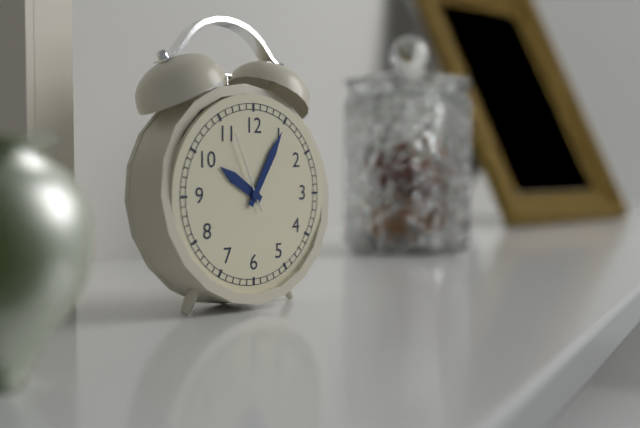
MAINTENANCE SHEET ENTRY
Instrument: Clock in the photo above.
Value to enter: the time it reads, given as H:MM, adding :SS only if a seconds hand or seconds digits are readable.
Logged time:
10:05:56
